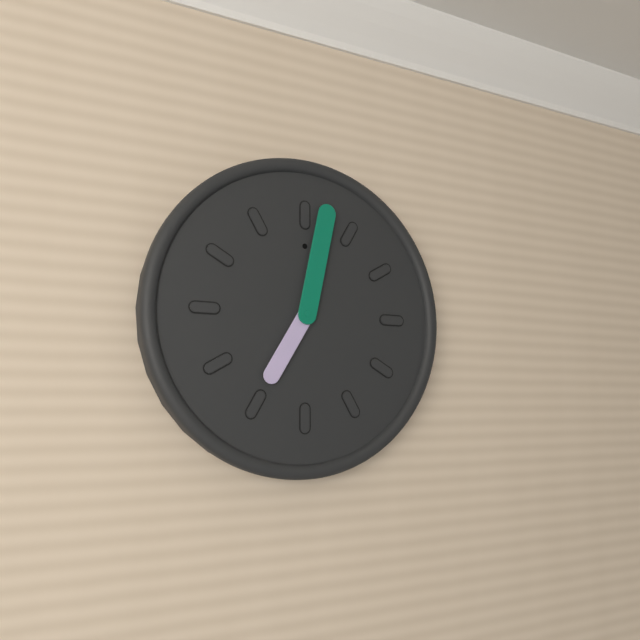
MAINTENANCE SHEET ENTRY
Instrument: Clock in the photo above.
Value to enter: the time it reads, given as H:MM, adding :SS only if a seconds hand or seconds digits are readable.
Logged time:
7:02
